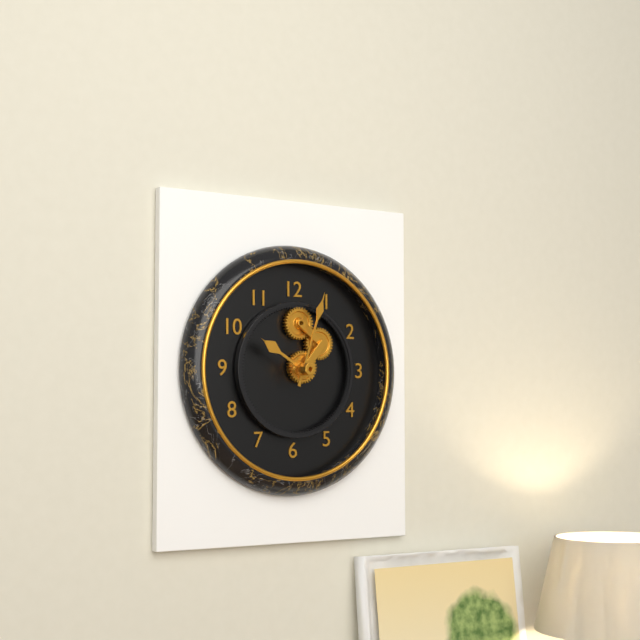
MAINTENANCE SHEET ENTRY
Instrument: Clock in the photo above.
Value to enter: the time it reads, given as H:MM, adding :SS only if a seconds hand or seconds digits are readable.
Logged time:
10:03
